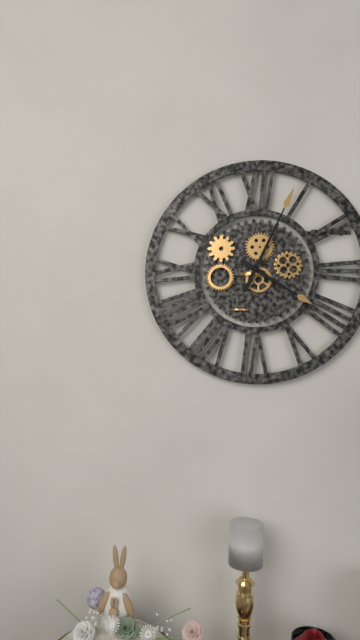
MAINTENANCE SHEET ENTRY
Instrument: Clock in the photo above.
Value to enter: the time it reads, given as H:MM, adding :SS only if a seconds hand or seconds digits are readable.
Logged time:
4:04
